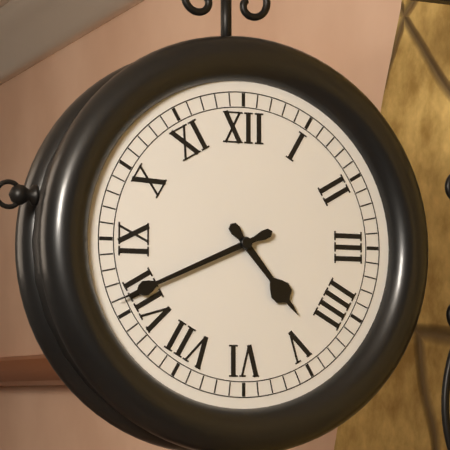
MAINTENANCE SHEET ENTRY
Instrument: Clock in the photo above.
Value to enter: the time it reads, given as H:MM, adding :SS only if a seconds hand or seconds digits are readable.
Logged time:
4:41
